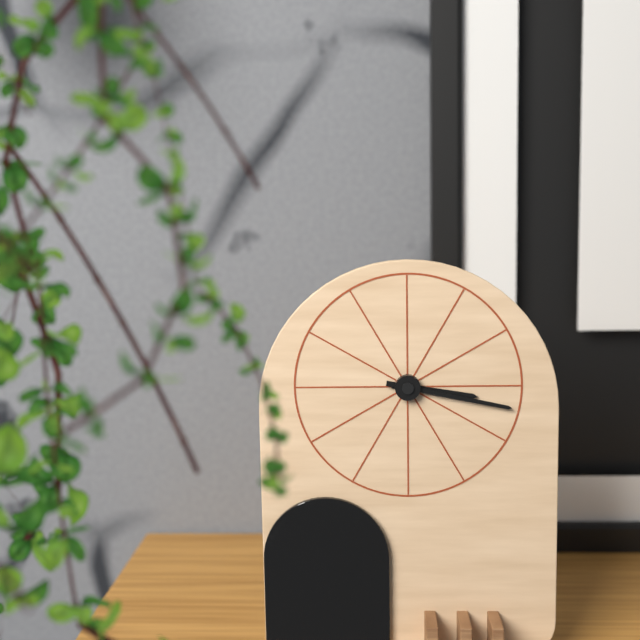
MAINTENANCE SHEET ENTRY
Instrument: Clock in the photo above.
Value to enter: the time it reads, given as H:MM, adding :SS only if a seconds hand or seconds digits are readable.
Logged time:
3:17
